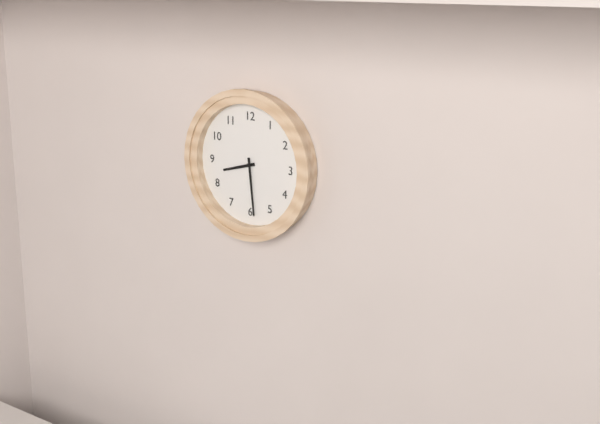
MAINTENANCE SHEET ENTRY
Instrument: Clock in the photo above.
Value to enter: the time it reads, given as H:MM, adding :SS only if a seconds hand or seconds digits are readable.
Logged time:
8:29
